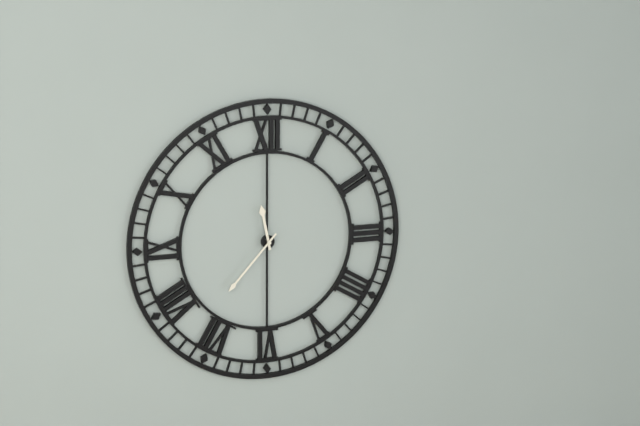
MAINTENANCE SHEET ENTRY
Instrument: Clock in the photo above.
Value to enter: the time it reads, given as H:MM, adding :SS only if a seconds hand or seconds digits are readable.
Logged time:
11:37
